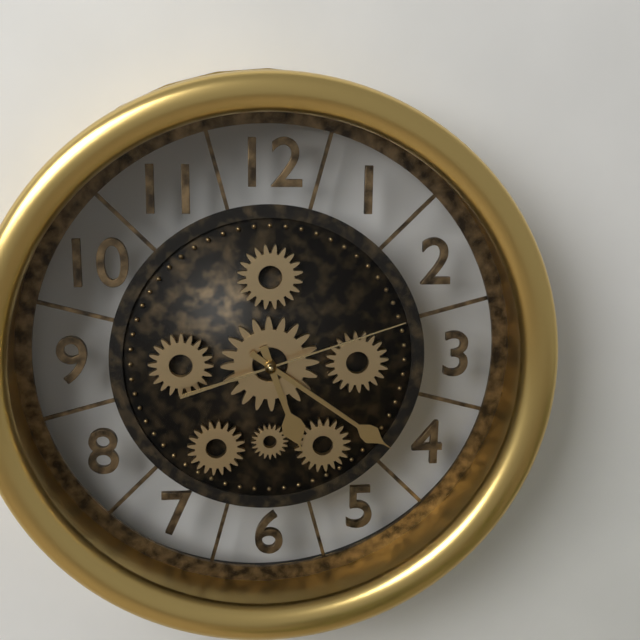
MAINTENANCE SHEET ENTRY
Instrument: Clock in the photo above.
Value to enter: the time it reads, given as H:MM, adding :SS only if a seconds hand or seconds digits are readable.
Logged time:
5:21:12
